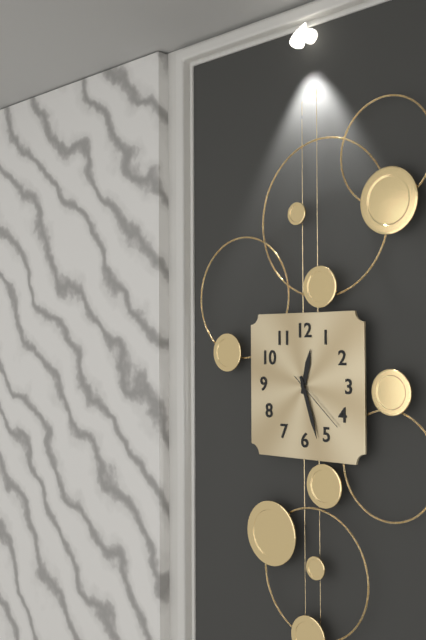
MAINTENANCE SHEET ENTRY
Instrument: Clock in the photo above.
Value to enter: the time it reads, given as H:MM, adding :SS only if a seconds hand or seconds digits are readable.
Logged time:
12:27:22
